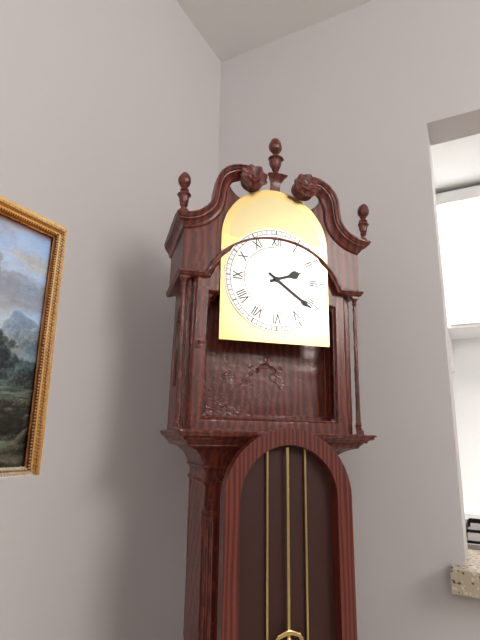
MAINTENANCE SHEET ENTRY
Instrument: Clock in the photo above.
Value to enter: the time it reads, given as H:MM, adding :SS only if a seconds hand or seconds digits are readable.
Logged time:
2:21
